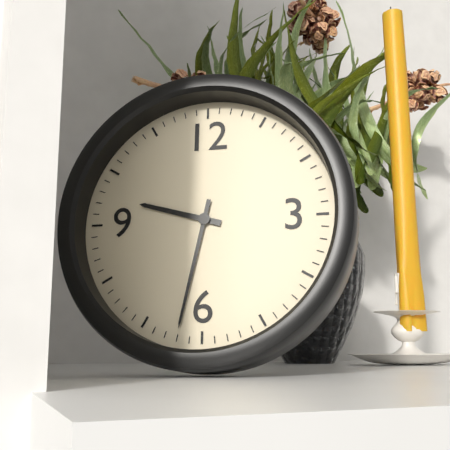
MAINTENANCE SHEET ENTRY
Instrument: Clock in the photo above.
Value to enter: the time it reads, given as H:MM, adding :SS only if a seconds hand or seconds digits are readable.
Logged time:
9:32
